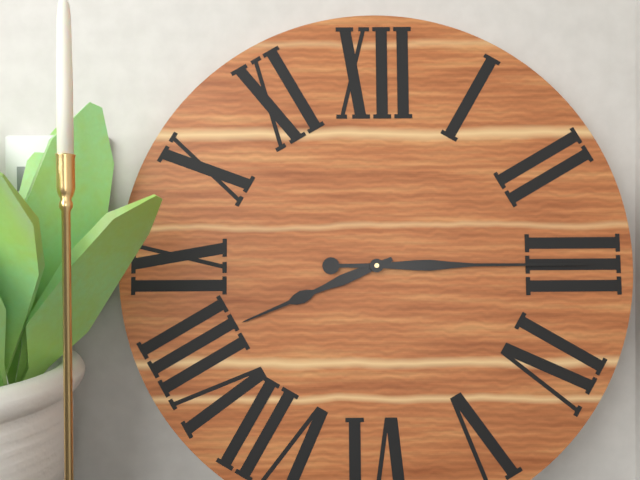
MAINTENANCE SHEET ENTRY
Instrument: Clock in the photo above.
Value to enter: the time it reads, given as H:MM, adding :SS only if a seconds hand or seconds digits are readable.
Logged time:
8:15
